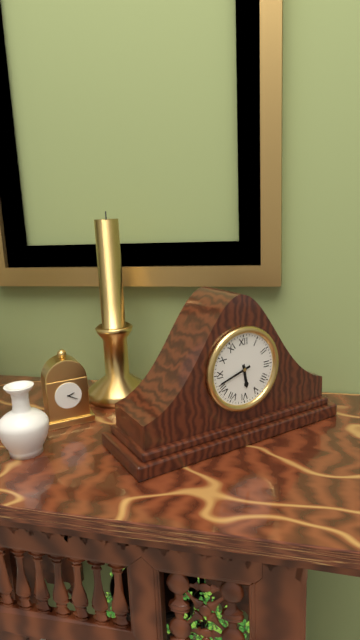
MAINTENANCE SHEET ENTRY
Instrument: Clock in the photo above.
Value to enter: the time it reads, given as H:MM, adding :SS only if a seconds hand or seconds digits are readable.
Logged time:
5:42
